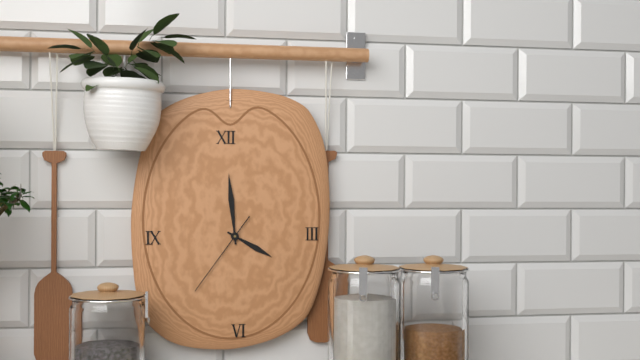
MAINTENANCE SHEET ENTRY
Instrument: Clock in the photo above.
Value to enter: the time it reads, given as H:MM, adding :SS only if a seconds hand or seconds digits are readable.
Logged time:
3:59:36
